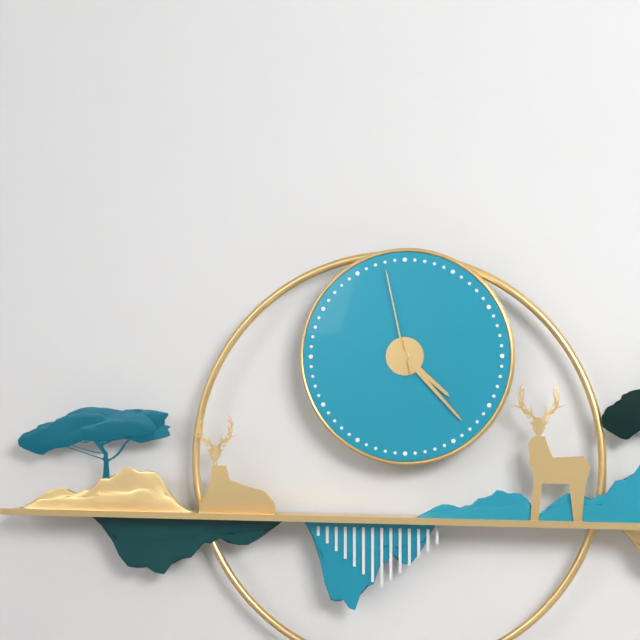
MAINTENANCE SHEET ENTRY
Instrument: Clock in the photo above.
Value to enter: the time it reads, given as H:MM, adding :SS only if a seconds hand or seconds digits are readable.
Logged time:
4:23:58
